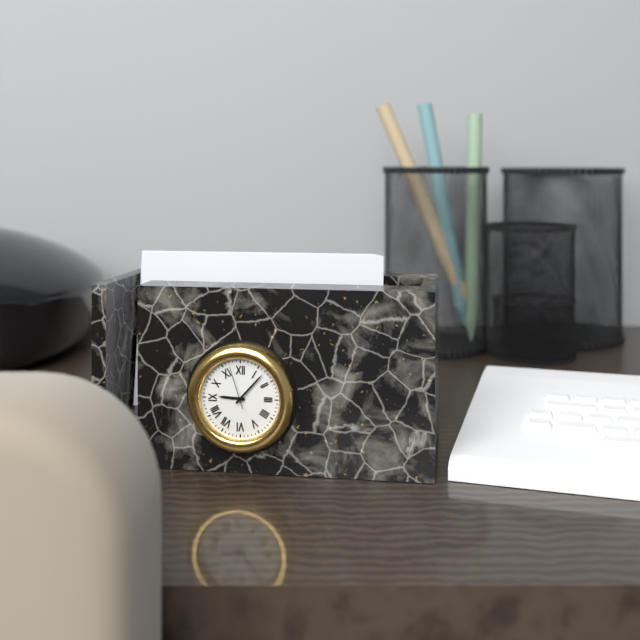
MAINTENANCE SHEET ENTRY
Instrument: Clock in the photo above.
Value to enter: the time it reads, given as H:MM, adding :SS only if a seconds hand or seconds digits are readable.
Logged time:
9:07
